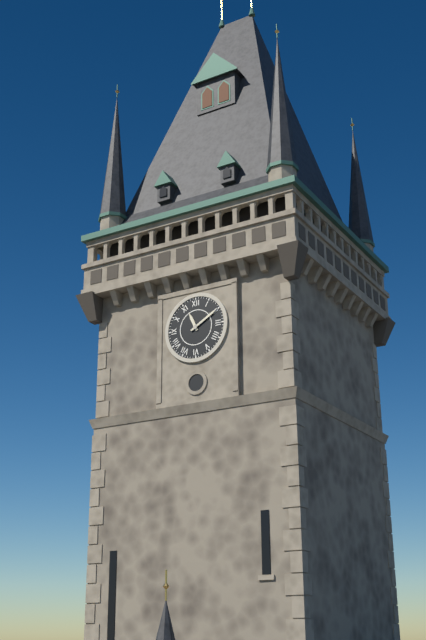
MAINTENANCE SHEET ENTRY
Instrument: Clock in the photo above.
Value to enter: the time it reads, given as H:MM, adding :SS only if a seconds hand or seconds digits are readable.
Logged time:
11:10
